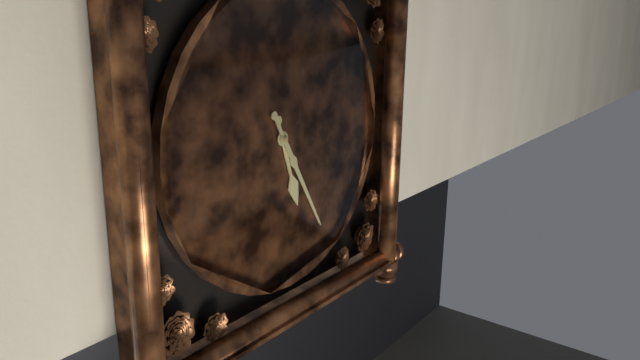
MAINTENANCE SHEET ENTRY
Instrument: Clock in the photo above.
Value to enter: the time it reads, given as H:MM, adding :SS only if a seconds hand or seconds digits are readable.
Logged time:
5:25
